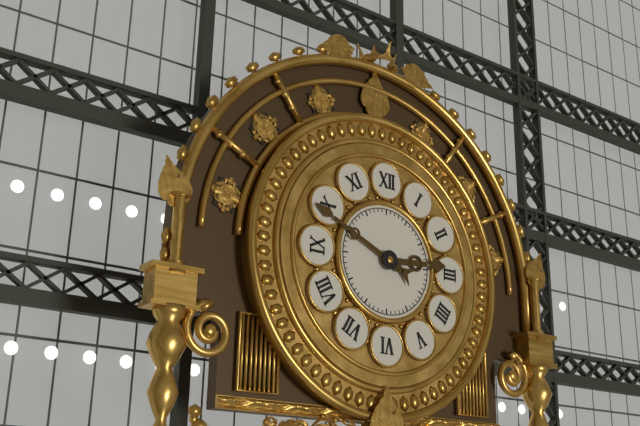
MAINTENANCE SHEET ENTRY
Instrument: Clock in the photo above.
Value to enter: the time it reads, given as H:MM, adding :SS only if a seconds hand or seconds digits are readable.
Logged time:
2:49
